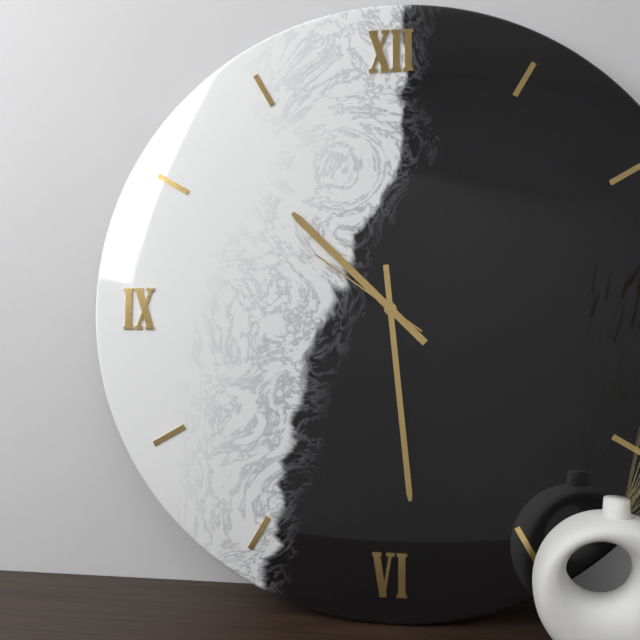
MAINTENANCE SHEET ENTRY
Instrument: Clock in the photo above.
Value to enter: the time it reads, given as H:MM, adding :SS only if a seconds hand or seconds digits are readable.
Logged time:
10:29:51
